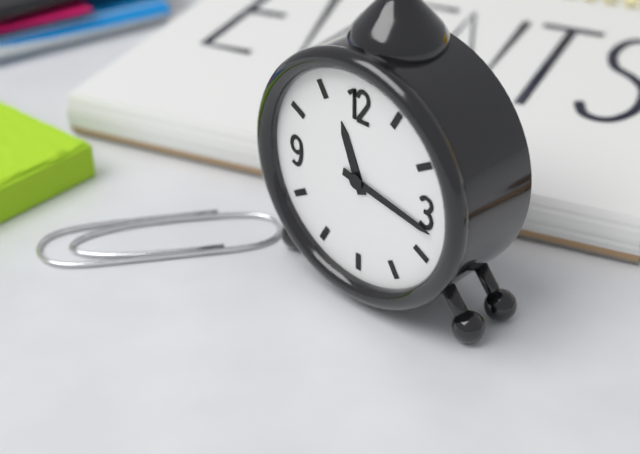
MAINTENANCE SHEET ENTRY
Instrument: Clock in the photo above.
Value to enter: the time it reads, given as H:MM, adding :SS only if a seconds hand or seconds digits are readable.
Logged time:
11:17
